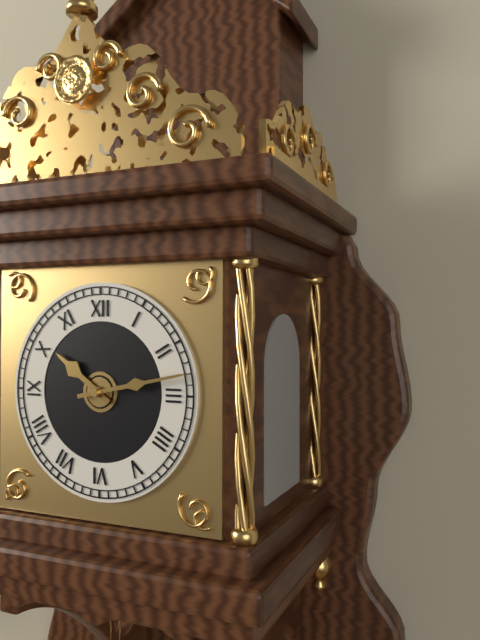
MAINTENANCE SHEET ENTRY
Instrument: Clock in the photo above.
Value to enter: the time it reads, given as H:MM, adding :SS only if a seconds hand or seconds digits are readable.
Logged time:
10:13
